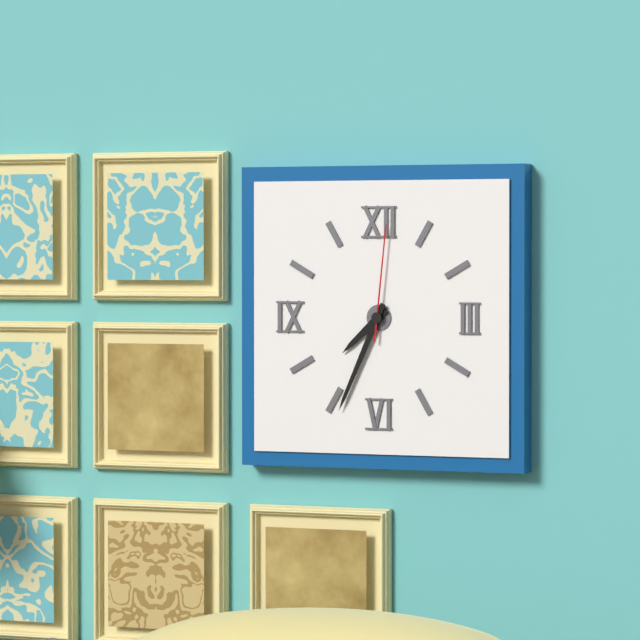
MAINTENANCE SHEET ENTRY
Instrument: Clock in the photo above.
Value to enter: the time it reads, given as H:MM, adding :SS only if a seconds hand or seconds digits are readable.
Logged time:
7:34:01
